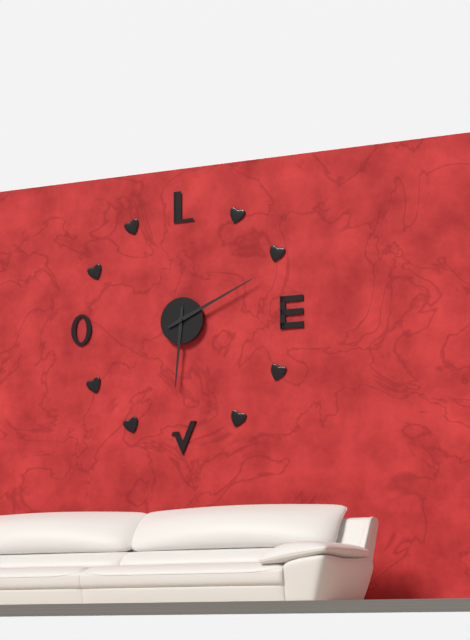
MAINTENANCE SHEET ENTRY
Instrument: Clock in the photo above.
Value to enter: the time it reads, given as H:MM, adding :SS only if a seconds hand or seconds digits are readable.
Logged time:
6:11
